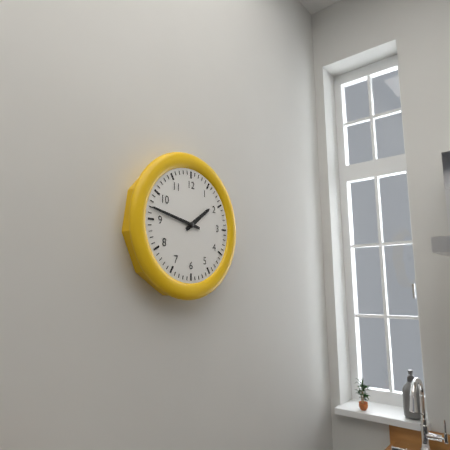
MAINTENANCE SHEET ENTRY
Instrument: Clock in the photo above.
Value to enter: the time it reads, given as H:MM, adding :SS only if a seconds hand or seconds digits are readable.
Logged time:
1:47
